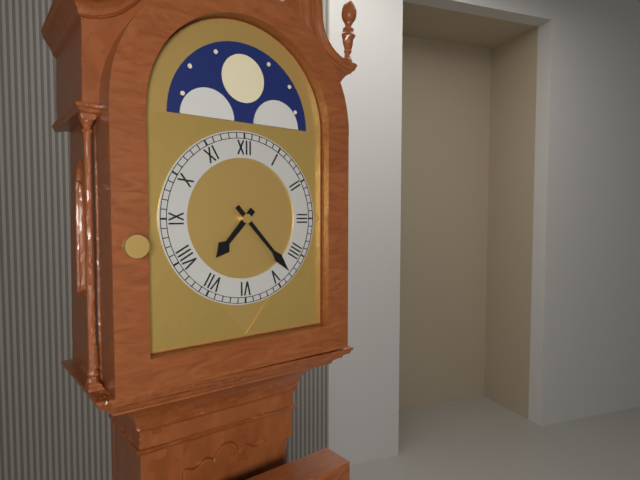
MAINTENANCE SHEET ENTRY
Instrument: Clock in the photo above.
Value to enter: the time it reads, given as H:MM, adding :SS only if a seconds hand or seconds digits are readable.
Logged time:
7:23
